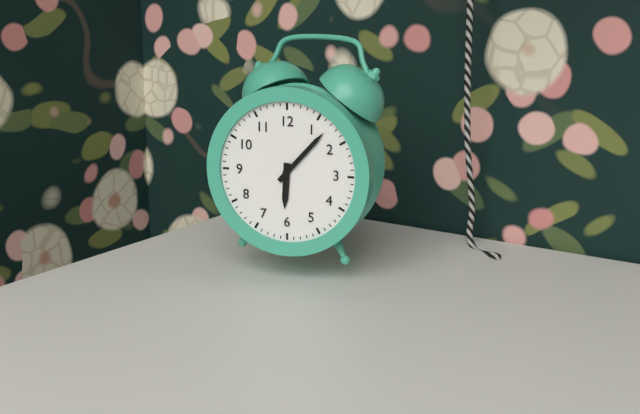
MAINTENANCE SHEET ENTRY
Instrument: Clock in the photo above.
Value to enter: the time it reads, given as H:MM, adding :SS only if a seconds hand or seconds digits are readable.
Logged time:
6:07
